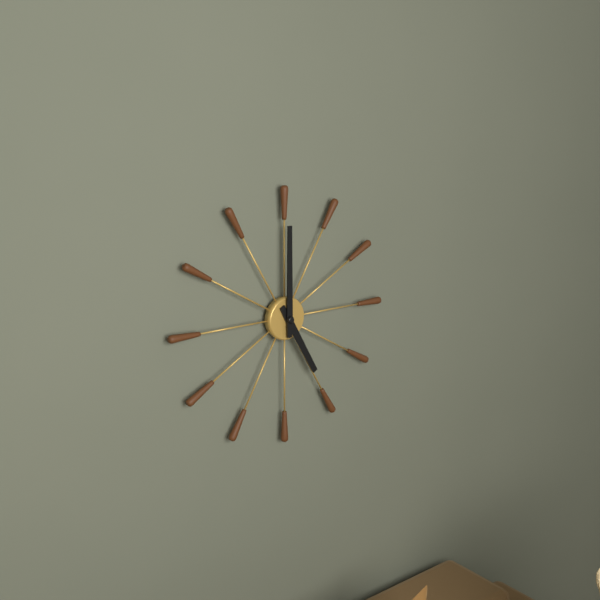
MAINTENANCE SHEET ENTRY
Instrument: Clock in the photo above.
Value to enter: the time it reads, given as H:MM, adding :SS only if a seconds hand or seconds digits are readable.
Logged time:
5:00
